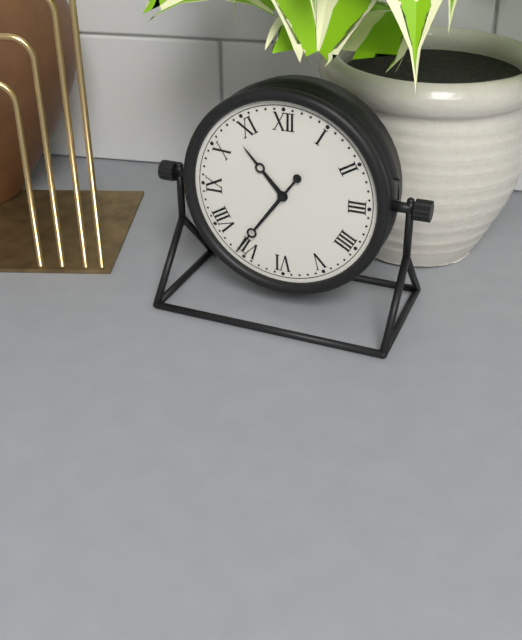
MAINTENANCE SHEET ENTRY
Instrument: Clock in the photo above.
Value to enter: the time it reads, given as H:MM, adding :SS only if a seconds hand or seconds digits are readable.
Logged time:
10:36
